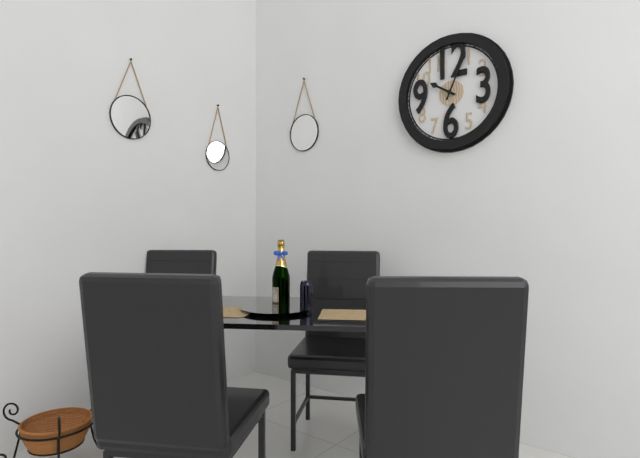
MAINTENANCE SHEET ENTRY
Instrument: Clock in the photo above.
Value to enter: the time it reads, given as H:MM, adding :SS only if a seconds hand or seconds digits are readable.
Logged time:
10:04
